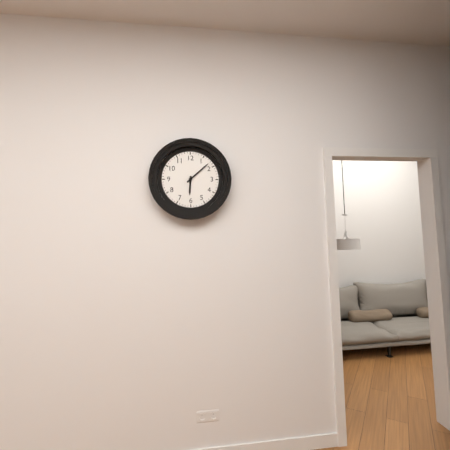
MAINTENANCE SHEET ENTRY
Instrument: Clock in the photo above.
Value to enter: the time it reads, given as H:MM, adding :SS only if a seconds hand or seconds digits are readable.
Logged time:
6:08
